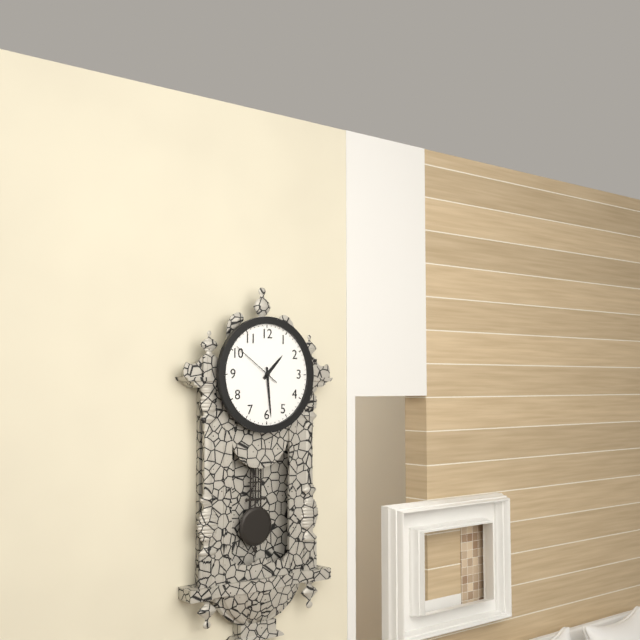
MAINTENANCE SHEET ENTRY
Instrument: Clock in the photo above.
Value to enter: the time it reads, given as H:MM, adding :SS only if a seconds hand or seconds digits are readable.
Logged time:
1:29:51
